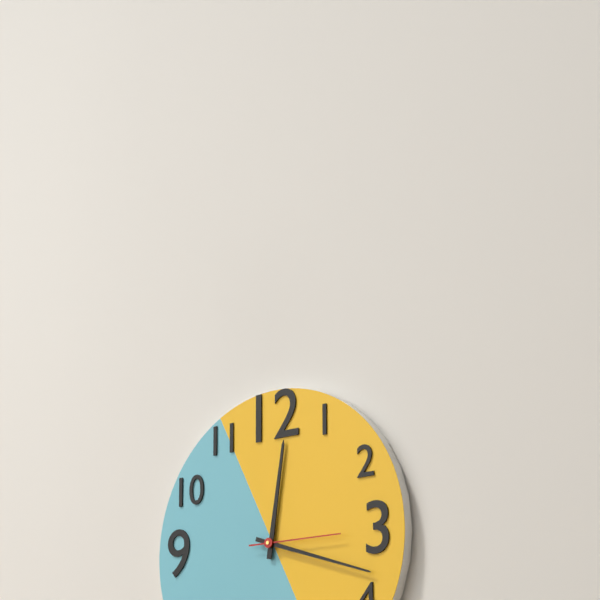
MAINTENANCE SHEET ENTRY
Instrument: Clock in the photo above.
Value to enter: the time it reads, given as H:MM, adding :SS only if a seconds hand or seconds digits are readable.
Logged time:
12:18:15
